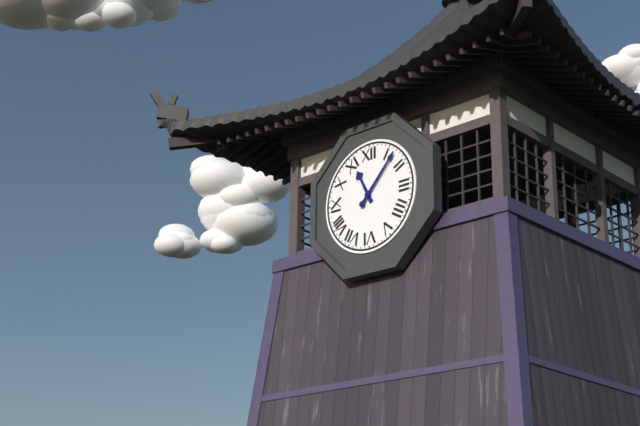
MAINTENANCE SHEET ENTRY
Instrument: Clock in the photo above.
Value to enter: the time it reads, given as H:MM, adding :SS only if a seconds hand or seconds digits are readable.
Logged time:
11:07
